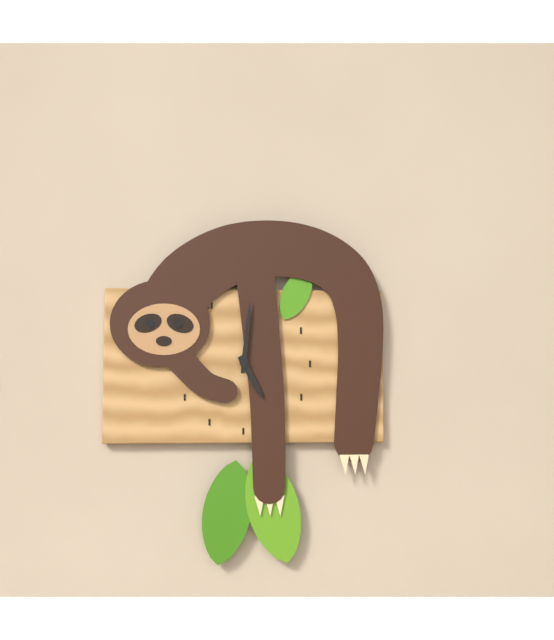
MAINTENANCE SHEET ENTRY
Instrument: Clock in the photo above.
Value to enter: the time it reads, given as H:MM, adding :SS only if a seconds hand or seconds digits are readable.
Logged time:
5:01
